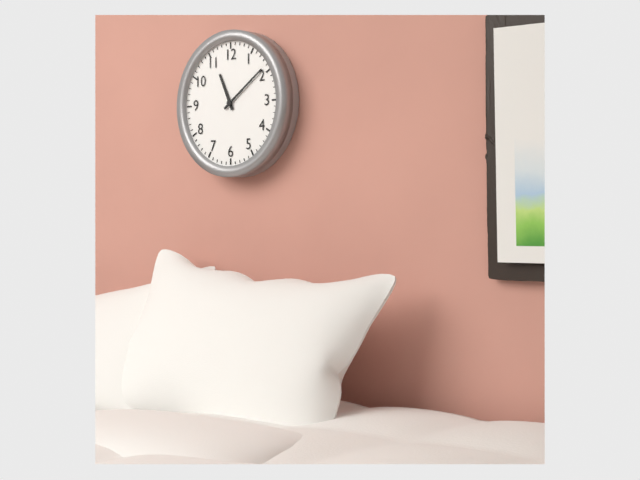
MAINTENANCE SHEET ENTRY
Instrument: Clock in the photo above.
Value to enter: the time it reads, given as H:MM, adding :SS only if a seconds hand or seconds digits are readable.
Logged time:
11:09
